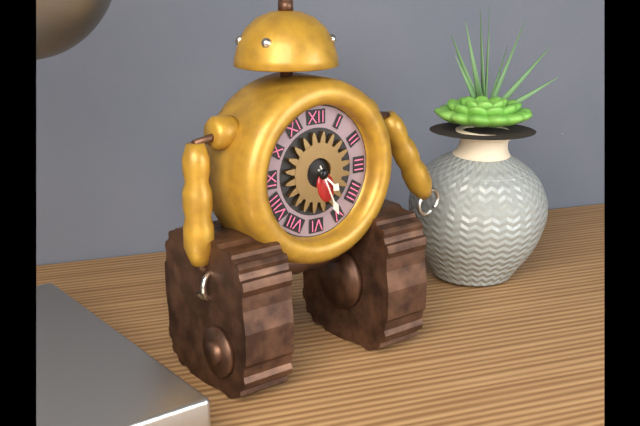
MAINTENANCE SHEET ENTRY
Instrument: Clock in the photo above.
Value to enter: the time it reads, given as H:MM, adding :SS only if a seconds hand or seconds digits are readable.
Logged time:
4:26
